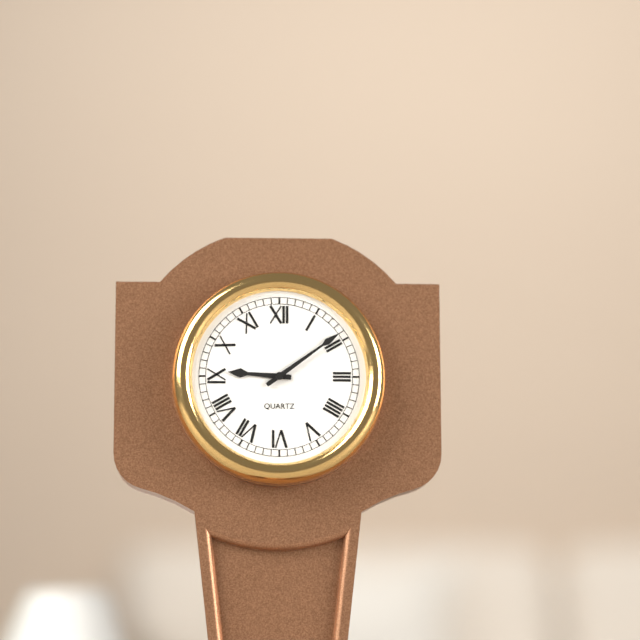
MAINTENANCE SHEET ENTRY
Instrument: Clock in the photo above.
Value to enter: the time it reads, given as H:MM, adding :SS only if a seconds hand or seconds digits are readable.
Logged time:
9:09
